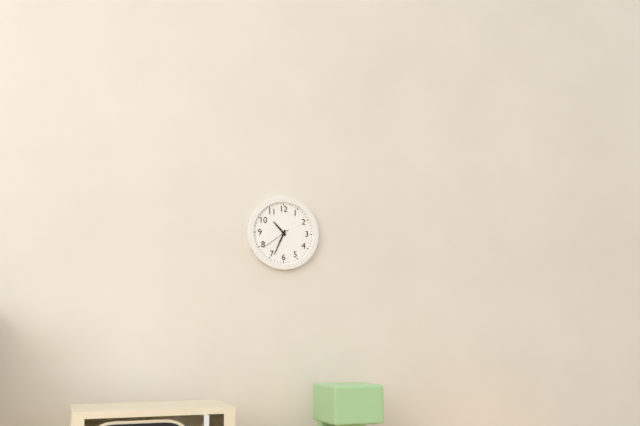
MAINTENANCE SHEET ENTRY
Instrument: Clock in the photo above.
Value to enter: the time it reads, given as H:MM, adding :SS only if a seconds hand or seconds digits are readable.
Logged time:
10:34
